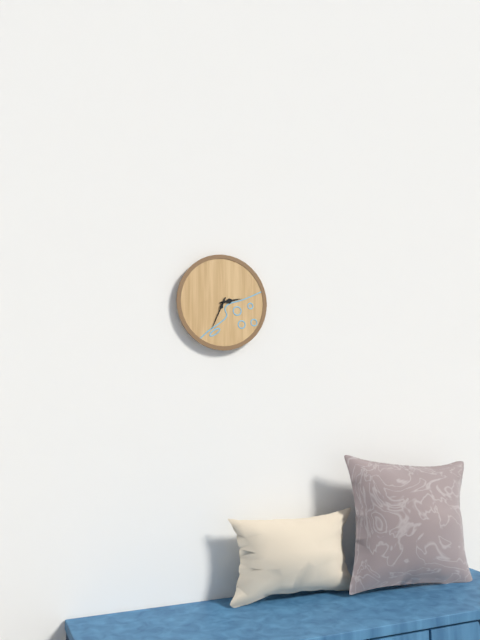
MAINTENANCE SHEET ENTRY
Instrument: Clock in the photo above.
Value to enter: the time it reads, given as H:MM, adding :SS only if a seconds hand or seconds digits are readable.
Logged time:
2:34
